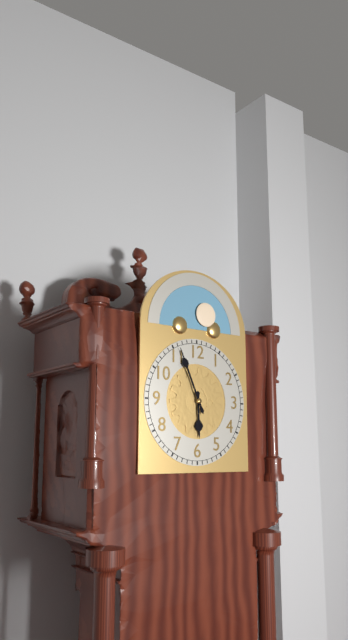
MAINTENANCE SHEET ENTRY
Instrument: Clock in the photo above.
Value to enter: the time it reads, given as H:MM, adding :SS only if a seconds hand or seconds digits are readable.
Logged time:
5:56
